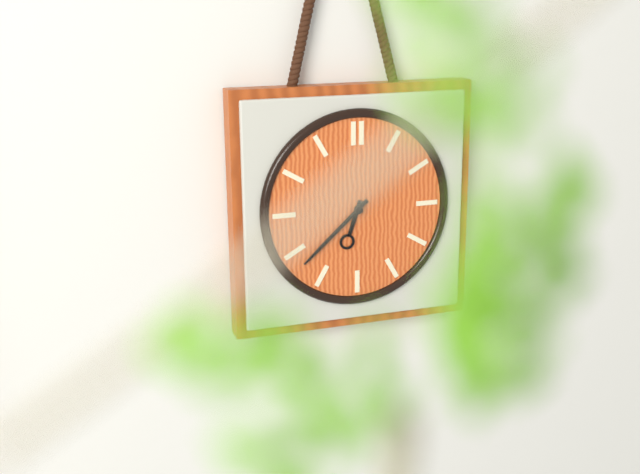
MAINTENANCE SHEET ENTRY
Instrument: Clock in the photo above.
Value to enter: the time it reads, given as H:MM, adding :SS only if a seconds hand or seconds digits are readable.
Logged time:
6:38
